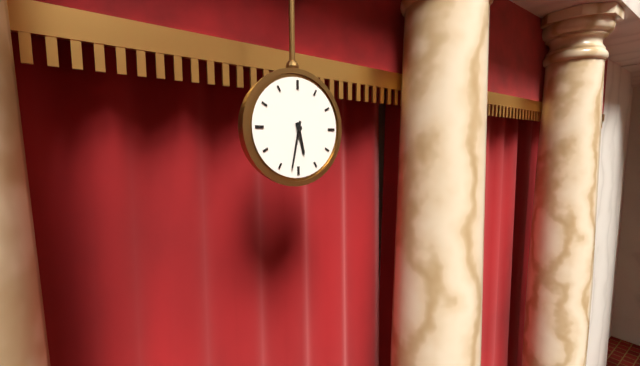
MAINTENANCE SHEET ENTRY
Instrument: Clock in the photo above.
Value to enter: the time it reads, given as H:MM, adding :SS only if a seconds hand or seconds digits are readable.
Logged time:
5:32
